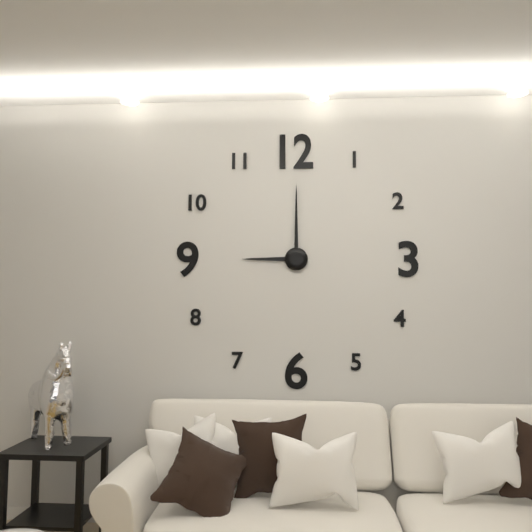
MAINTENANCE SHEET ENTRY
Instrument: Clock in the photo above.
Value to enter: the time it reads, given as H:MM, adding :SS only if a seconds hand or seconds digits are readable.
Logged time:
9:00
